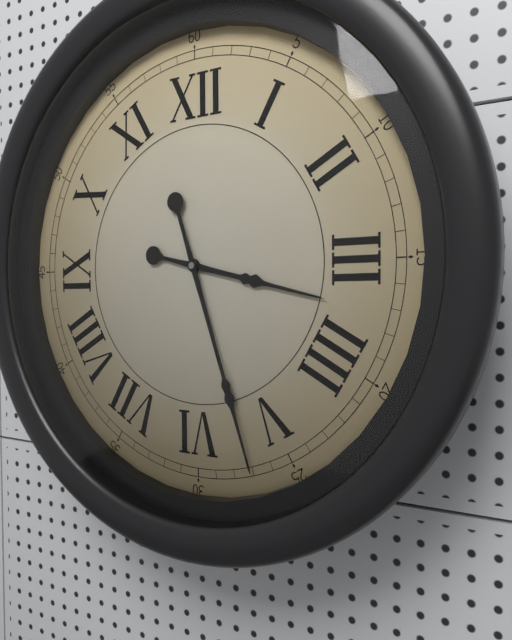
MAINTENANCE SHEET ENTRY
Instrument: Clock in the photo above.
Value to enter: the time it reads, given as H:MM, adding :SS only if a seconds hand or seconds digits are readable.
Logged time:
3:27
